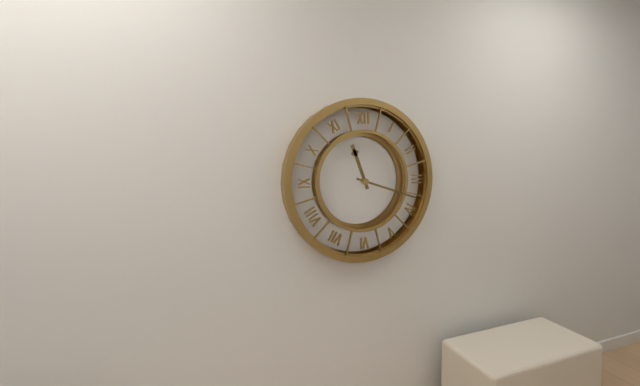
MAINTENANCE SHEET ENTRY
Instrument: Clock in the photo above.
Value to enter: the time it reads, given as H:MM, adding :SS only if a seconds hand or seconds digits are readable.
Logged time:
11:18
